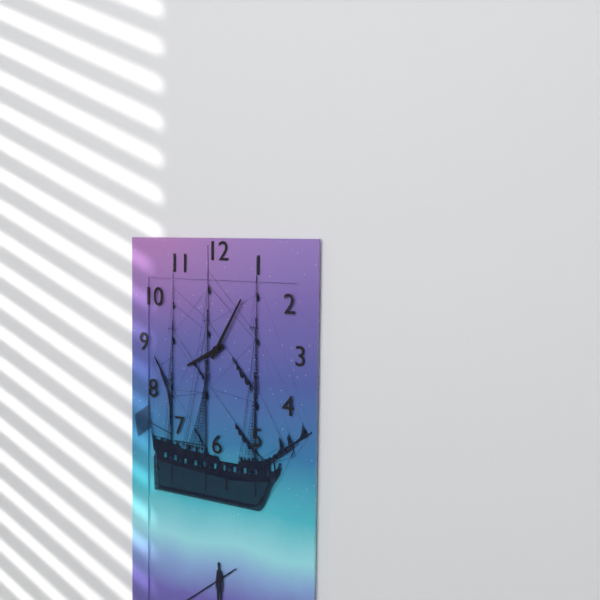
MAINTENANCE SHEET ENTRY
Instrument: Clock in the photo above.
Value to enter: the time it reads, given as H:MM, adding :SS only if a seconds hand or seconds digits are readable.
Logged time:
8:05
